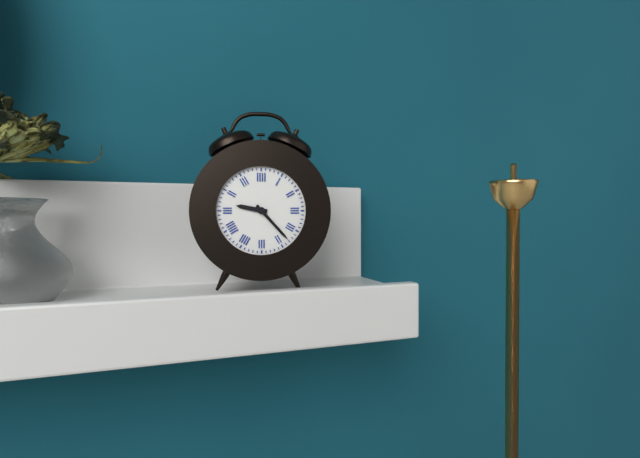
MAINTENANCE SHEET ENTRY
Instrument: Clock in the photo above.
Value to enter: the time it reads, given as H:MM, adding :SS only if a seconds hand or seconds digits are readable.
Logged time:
9:23
